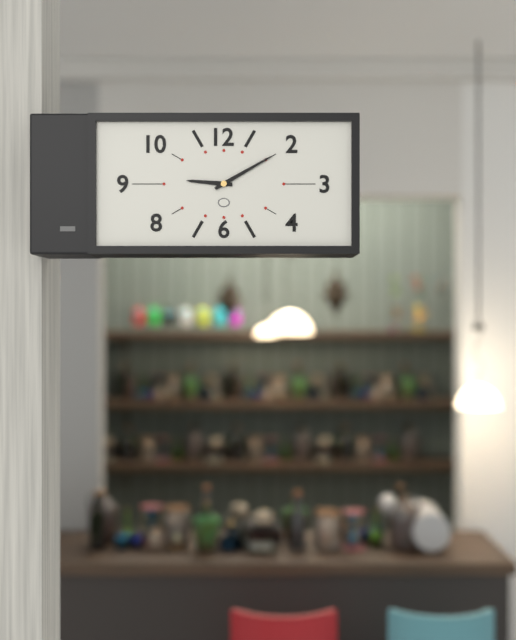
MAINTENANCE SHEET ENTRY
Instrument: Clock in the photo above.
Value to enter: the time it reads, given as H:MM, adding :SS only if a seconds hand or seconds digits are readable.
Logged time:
9:10
